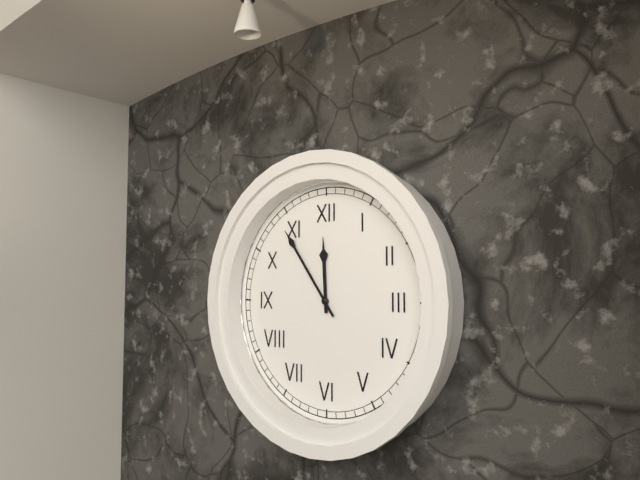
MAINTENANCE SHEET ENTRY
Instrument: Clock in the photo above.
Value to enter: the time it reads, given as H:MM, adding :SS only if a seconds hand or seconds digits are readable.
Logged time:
11:54
